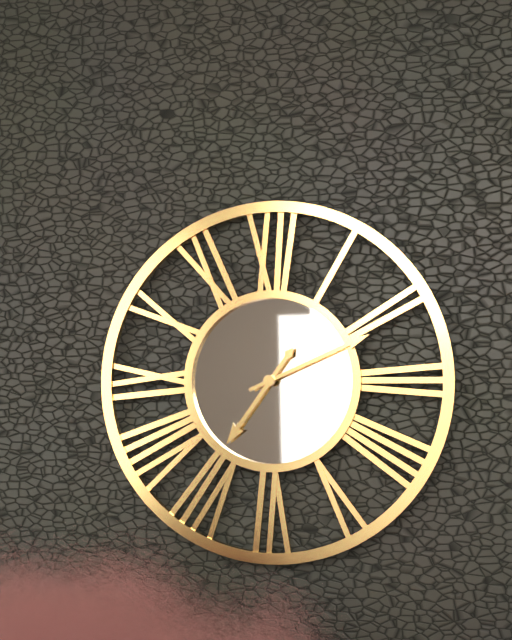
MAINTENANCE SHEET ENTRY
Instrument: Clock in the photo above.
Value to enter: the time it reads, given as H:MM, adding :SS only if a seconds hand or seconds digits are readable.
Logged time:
7:11
